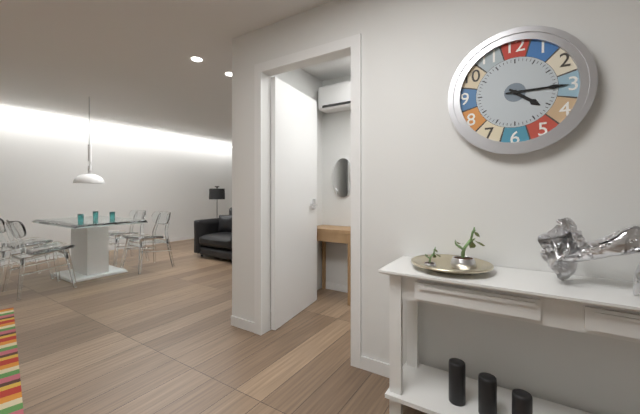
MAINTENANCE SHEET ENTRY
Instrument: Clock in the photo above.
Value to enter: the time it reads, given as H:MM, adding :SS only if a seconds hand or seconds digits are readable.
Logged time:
4:15
